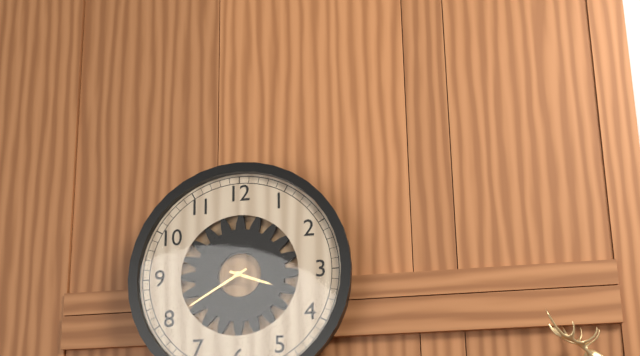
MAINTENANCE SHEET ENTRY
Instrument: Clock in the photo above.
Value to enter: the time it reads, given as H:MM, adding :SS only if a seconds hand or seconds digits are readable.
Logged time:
3:40
